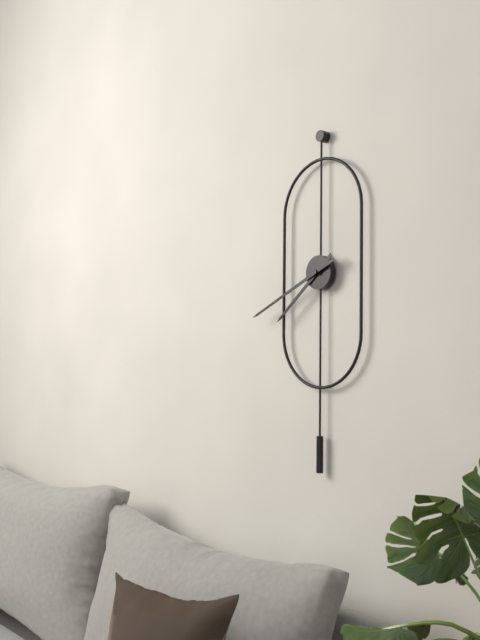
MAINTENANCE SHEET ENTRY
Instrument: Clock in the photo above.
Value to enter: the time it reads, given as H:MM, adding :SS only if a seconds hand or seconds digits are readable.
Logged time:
7:41
